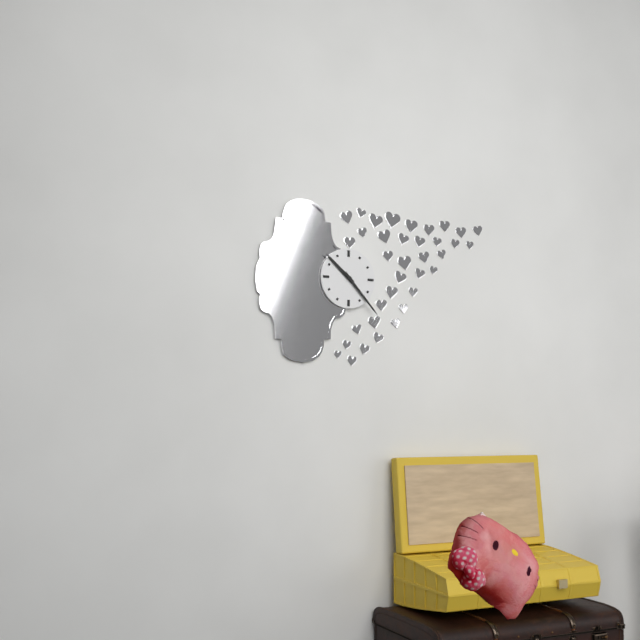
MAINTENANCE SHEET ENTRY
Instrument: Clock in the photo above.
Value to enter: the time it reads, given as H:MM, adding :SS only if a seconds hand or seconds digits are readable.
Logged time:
10:23
